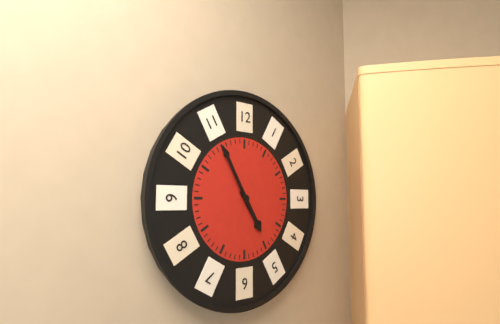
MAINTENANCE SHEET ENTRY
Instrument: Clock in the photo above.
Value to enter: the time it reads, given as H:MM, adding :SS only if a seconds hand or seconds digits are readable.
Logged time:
4:55
